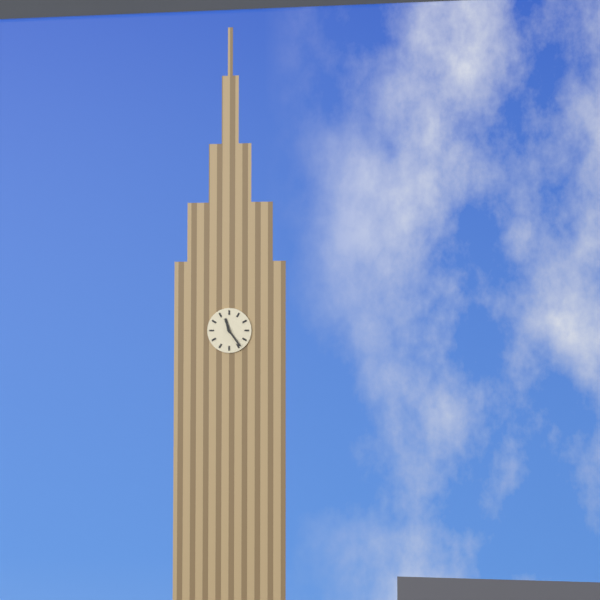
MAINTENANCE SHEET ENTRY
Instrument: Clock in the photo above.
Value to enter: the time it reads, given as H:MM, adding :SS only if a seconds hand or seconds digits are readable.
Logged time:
11:24
